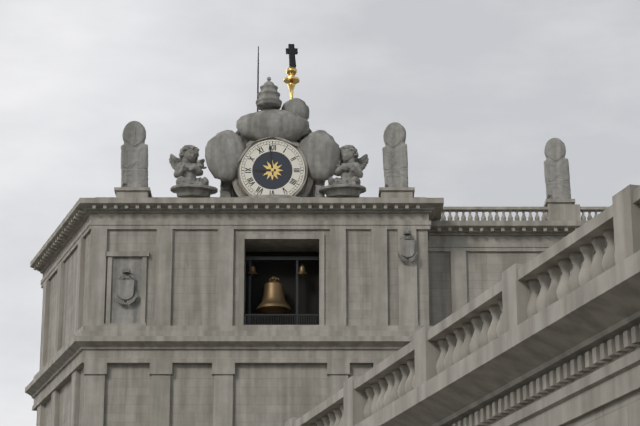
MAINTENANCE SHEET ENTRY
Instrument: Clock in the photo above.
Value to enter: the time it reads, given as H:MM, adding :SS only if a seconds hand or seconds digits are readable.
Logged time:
8:59
